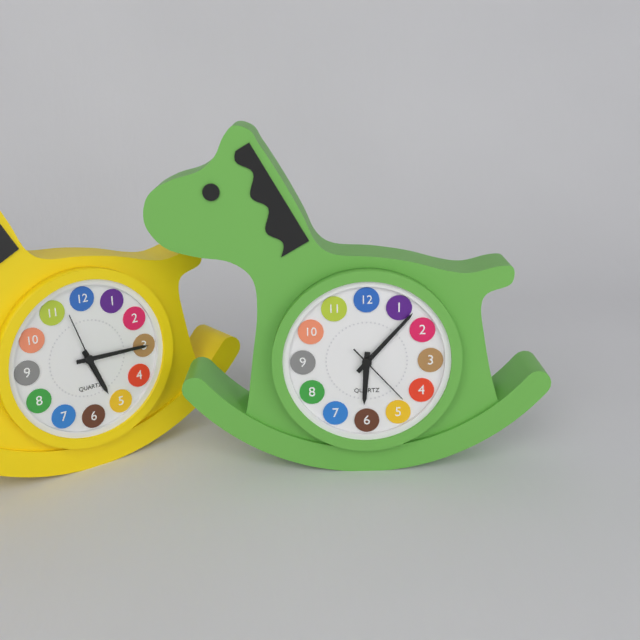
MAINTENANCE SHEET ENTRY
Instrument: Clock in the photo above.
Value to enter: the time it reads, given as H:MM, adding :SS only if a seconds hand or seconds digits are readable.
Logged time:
6:07:23
